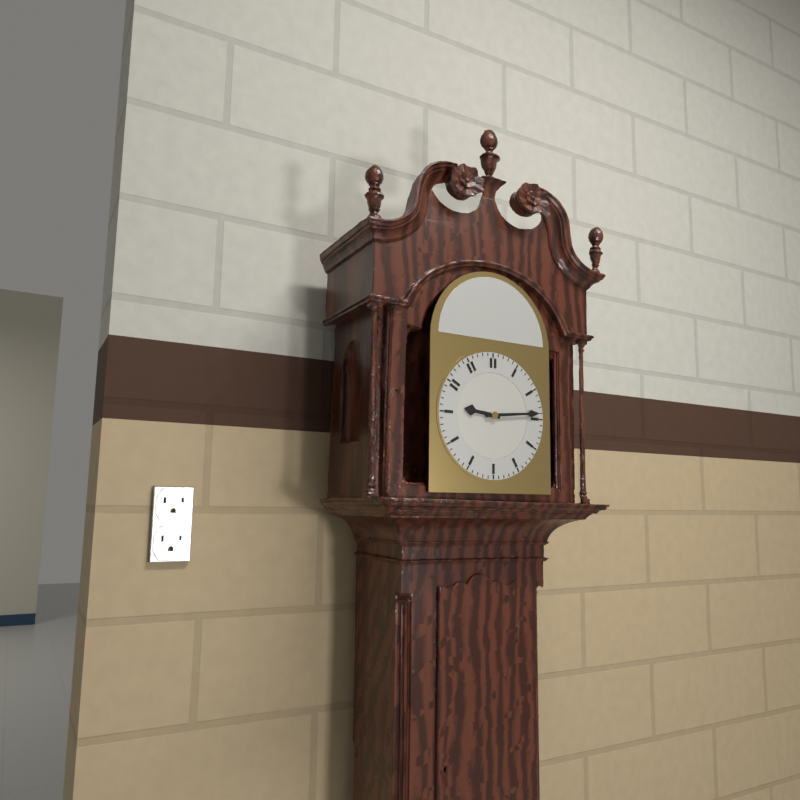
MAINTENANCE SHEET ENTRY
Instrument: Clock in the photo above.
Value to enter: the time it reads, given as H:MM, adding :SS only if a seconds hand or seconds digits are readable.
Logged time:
9:14
